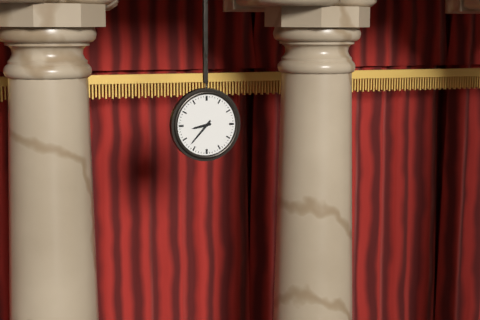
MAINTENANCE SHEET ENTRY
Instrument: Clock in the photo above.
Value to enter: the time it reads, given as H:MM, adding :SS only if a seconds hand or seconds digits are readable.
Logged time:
8:37
